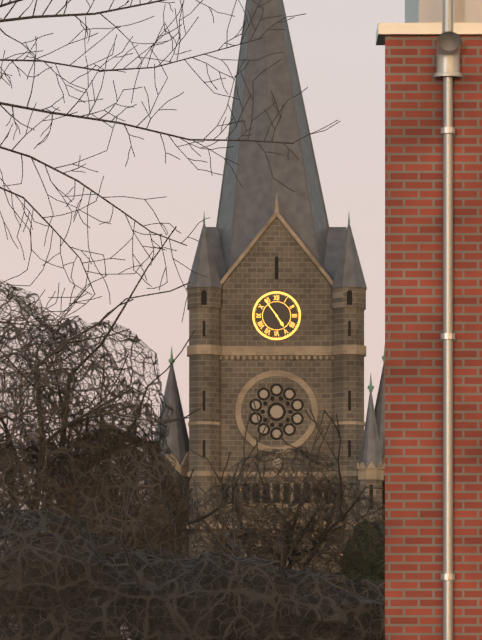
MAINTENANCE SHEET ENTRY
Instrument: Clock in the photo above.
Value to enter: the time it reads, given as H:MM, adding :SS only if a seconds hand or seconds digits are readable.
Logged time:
4:54
